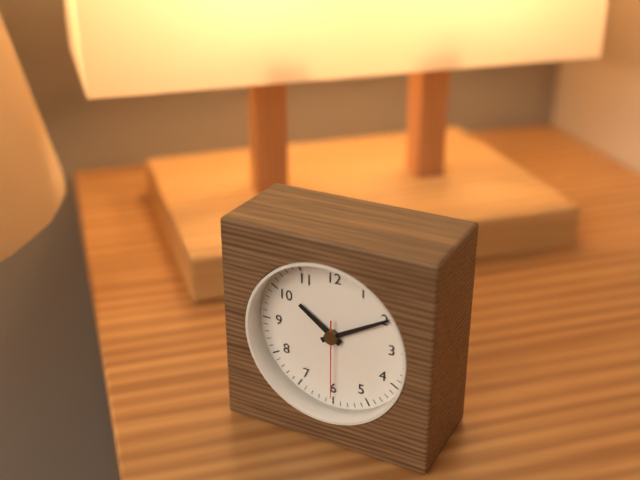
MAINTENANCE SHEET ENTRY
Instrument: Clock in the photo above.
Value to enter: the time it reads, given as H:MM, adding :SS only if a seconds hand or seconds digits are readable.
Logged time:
10:10:30
